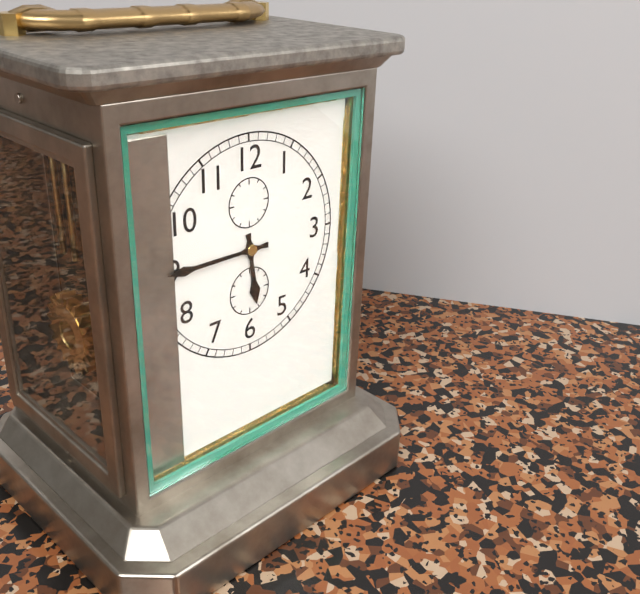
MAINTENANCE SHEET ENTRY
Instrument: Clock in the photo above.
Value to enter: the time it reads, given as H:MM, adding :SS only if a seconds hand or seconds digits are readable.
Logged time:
5:45
